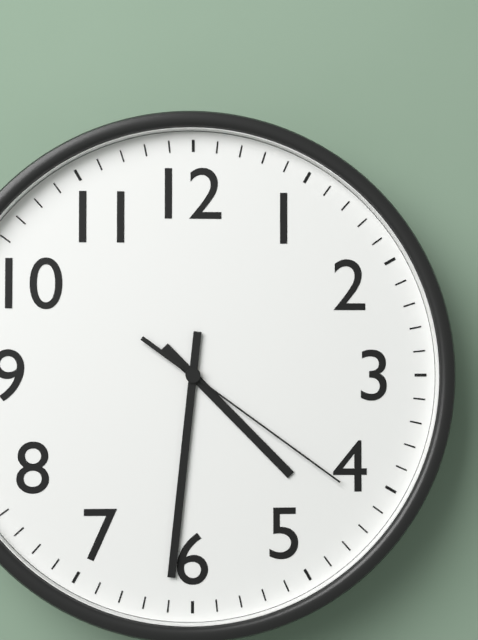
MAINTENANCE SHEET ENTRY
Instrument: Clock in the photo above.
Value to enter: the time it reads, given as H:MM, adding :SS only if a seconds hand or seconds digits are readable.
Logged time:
4:31:21
